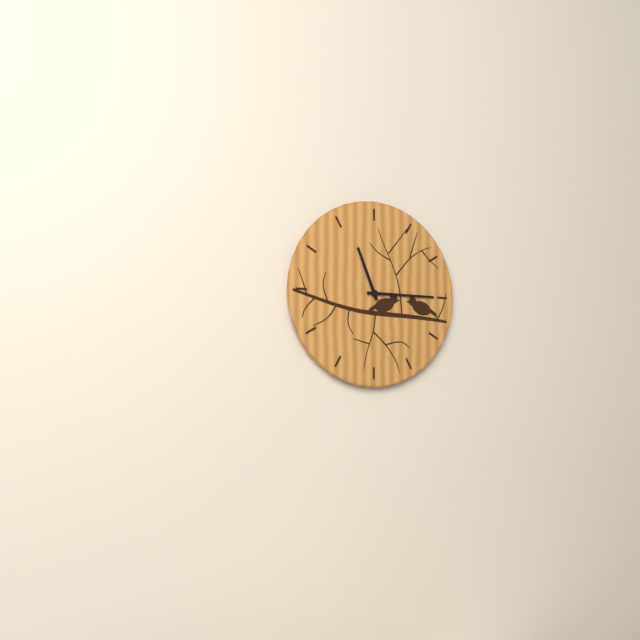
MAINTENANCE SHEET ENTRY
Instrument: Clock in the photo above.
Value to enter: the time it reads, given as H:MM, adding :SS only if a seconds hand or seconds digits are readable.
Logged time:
11:15
